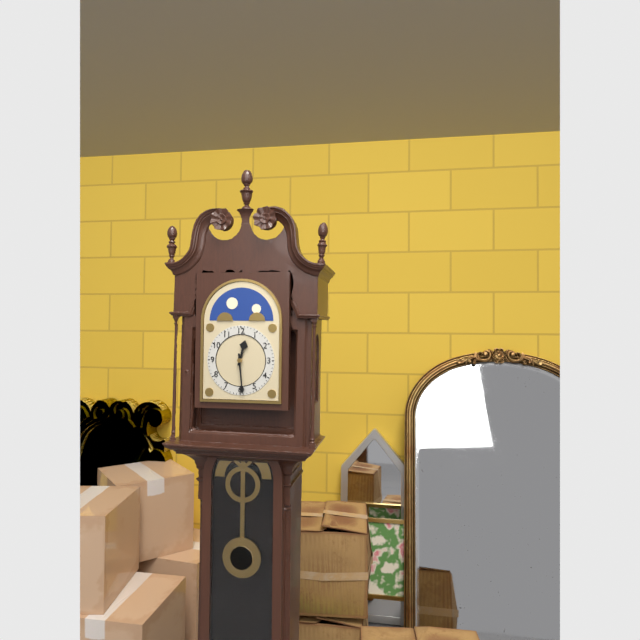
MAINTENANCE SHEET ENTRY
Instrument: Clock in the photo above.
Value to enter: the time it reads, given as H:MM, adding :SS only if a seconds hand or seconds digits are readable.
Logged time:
12:29
